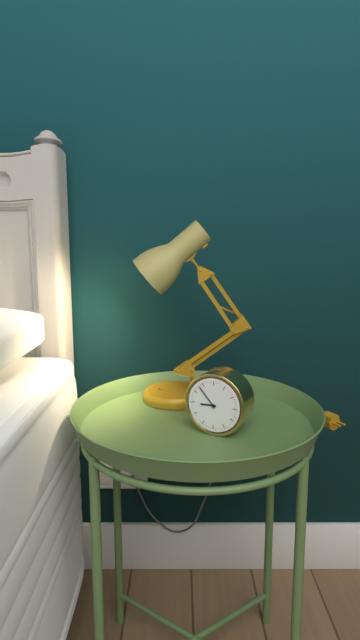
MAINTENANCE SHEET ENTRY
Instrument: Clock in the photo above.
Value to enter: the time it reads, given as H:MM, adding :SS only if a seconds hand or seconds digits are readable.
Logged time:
8:53
